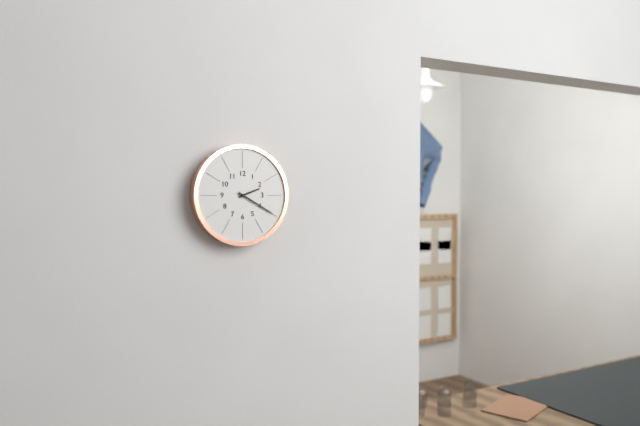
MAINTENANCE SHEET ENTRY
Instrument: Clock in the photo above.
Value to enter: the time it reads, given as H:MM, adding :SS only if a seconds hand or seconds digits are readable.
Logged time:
2:20
